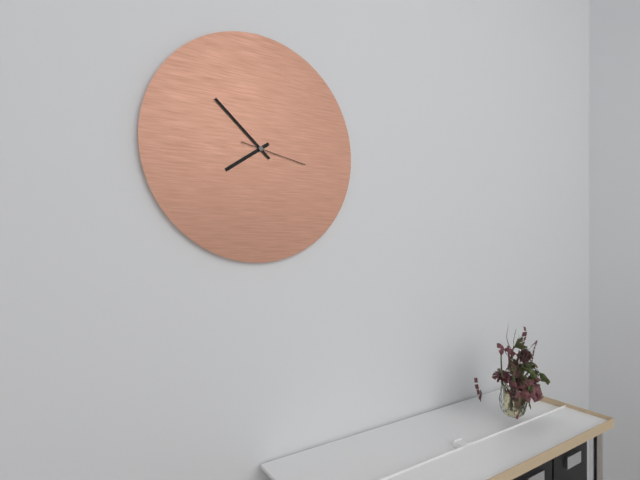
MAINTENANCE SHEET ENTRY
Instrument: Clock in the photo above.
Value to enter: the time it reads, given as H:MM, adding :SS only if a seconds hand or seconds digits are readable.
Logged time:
7:52:17
